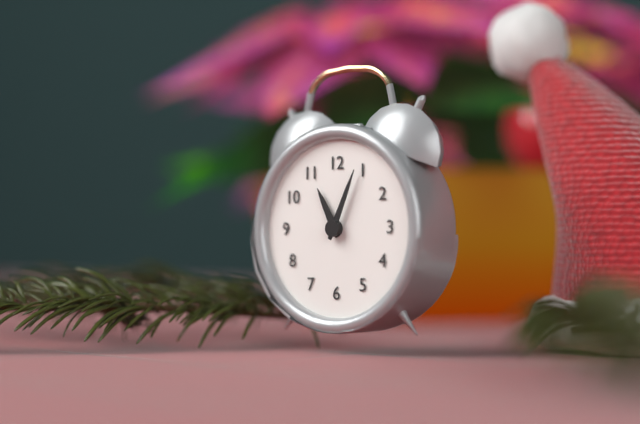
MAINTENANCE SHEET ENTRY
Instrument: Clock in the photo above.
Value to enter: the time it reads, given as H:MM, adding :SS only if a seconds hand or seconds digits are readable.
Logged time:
11:04
